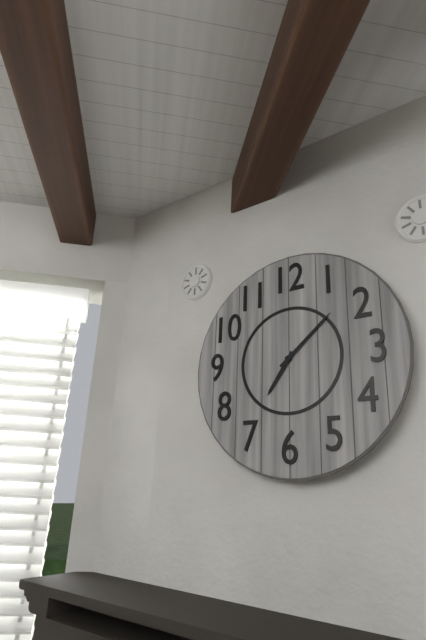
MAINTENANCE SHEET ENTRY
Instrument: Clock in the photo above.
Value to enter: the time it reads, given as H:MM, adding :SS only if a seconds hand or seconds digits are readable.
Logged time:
7:08
